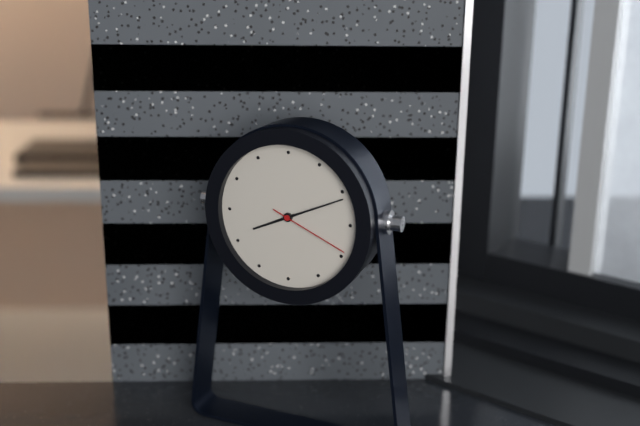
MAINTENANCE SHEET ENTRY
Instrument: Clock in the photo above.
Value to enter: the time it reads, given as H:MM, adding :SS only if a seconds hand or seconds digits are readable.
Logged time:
8:11:19
